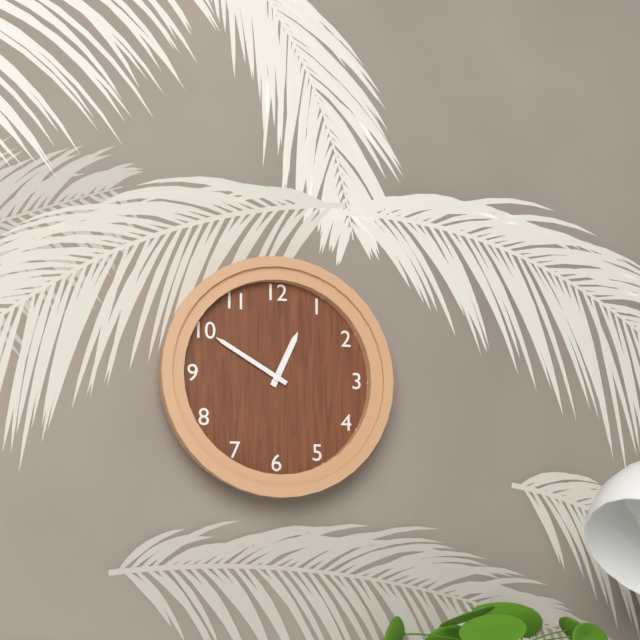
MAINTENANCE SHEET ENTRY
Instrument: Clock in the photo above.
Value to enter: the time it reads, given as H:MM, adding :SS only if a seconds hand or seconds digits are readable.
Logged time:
12:50
